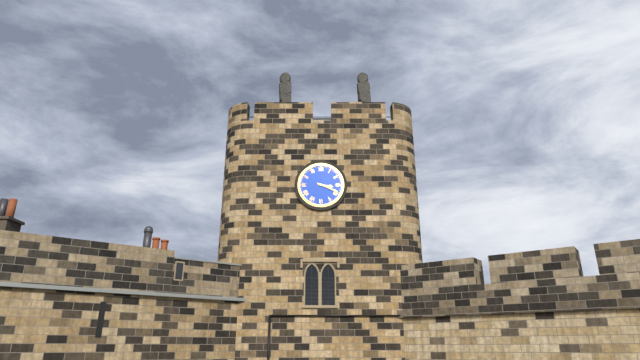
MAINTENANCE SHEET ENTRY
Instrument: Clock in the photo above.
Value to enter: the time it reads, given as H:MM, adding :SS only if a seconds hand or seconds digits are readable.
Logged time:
3:19
